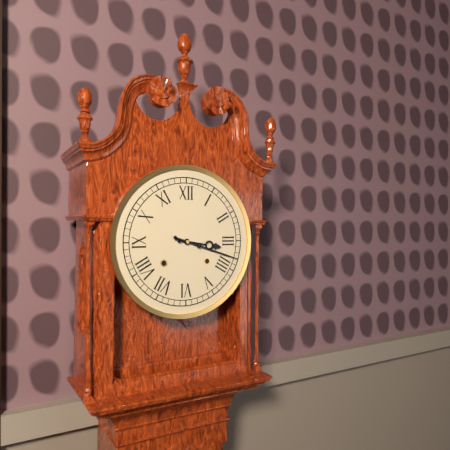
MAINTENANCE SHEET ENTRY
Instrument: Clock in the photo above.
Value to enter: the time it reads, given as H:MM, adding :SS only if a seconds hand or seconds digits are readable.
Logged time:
3:18
